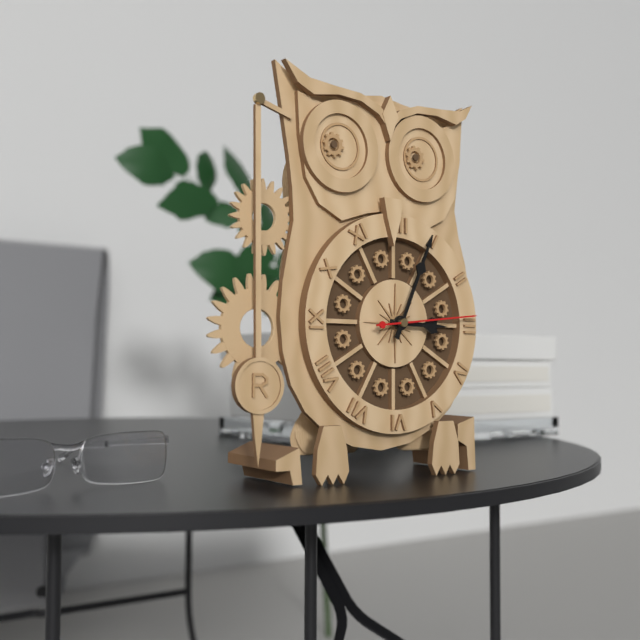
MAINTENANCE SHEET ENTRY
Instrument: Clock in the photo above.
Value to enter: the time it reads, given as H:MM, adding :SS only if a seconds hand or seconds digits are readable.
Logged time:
3:04:14
